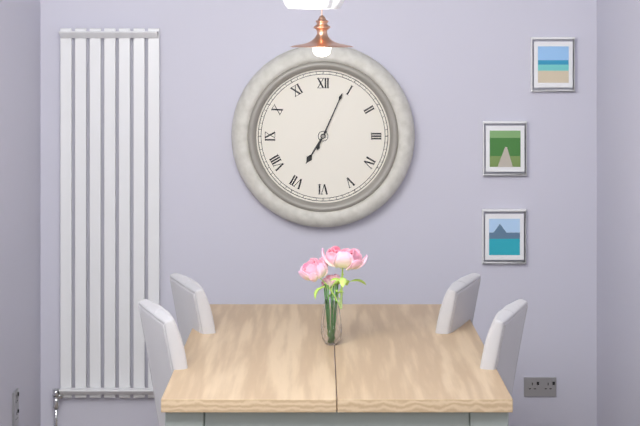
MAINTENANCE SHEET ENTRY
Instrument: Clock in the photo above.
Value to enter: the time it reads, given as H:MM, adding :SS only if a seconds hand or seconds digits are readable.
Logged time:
7:04
